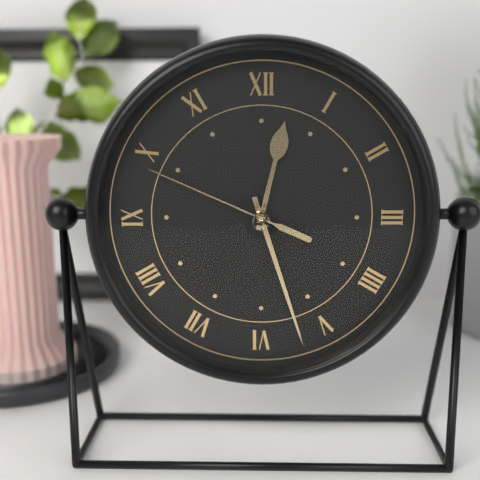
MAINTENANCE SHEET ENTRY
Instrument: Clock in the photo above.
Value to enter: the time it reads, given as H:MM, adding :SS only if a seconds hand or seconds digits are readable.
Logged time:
12:27:49
